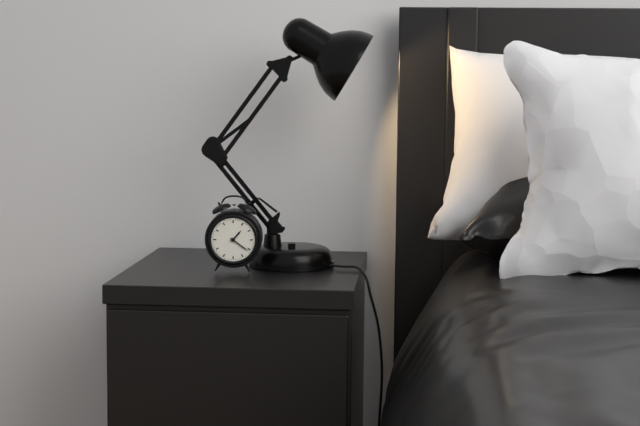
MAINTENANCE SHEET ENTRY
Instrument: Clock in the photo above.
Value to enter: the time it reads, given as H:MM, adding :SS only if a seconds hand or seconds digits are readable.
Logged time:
1:21
